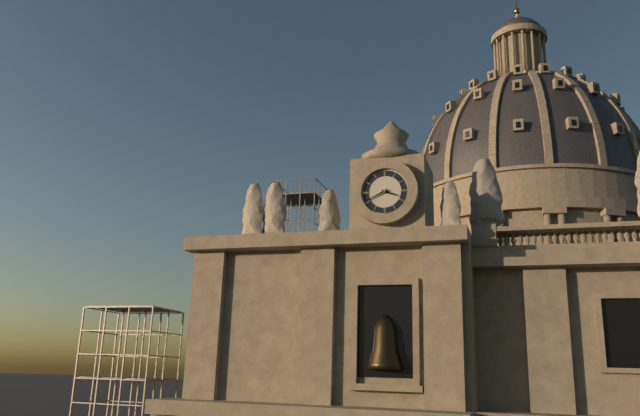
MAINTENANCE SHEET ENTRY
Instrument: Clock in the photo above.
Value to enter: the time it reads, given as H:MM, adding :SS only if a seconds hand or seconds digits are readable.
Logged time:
3:41
